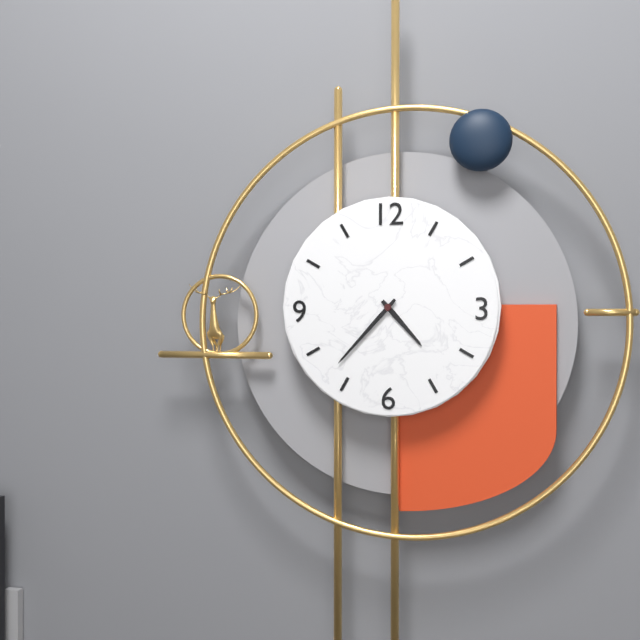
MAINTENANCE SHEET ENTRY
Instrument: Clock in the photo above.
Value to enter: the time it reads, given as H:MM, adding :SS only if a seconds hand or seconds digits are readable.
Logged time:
4:37
